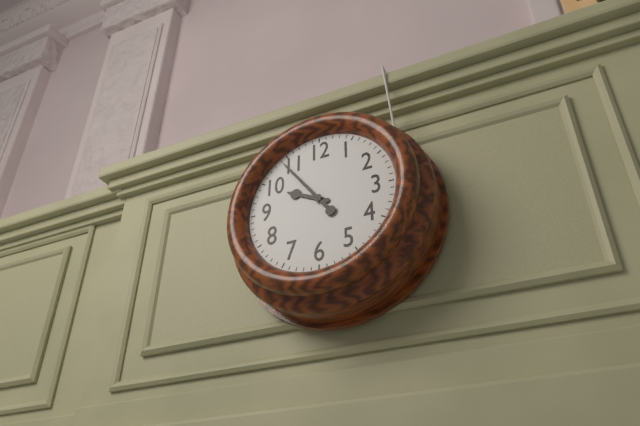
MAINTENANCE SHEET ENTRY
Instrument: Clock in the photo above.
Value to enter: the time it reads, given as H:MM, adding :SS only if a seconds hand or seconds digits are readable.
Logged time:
9:54
